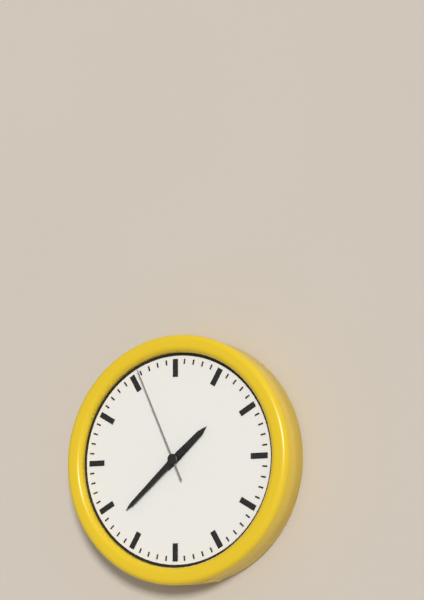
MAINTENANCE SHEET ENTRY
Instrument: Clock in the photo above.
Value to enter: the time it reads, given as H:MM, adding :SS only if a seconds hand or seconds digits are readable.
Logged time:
1:38:56
